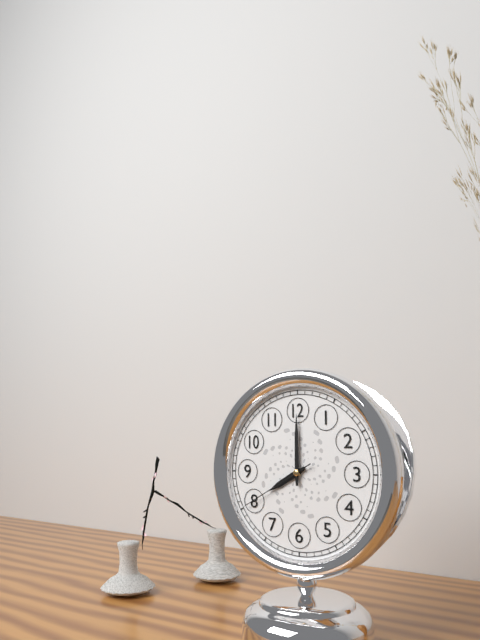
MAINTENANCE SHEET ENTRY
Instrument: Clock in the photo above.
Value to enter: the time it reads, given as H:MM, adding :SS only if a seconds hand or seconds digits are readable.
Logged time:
8:00:40
